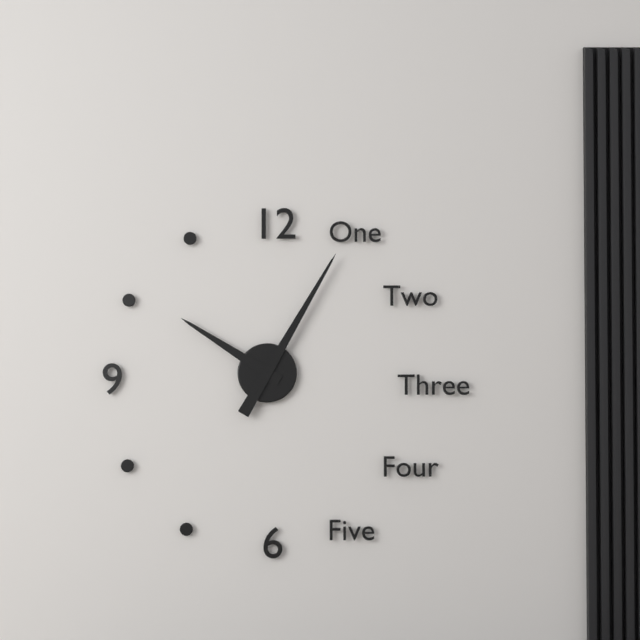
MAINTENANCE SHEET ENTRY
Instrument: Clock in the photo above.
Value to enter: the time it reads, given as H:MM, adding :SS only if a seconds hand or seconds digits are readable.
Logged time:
10:05
